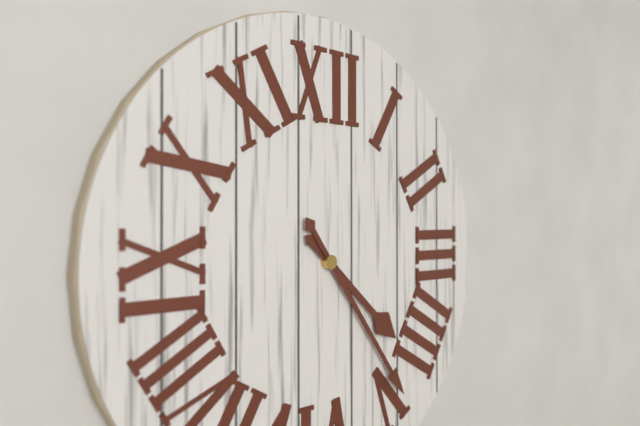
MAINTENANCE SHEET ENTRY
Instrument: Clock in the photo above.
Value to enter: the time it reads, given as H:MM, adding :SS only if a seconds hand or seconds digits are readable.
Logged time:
4:24
